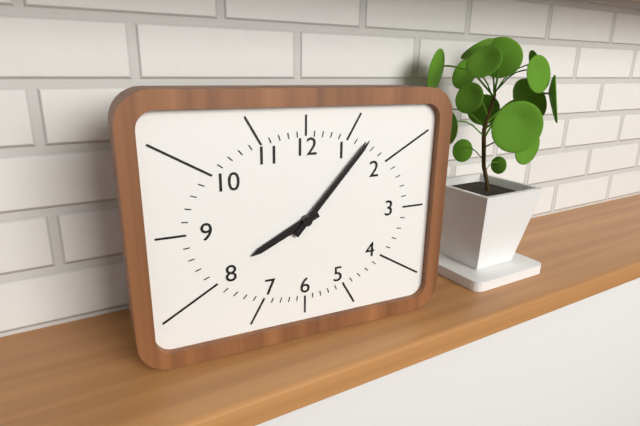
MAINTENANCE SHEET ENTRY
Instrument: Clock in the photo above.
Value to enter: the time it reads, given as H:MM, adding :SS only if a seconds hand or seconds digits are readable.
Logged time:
8:07
